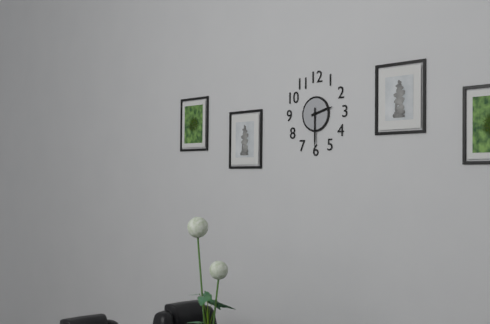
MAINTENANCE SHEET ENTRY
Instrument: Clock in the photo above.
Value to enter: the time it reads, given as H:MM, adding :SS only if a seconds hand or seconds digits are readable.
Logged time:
2:30
